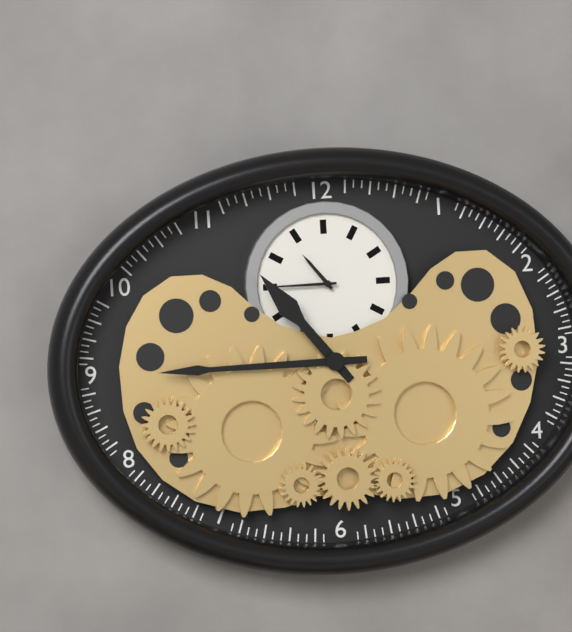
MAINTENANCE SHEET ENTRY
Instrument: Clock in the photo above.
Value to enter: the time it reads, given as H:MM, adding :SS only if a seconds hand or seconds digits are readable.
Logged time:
10:45
